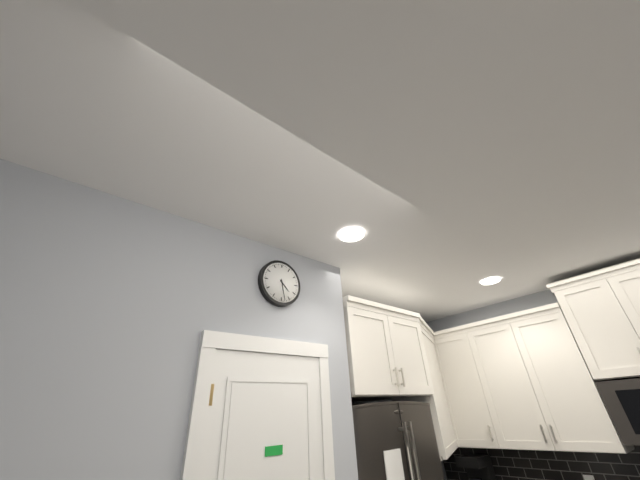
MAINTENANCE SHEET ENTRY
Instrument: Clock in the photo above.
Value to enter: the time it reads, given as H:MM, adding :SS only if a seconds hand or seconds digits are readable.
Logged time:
4:28
